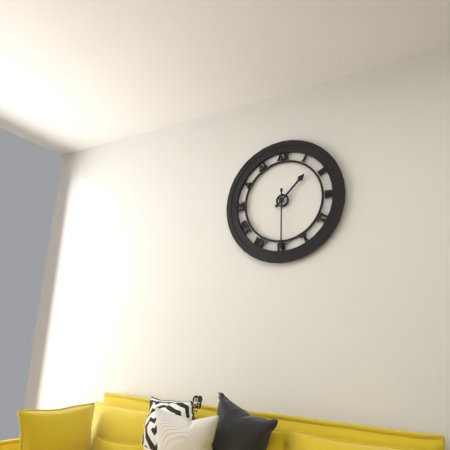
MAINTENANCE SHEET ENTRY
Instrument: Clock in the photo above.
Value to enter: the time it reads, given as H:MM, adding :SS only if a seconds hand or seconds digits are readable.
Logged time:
1:30
